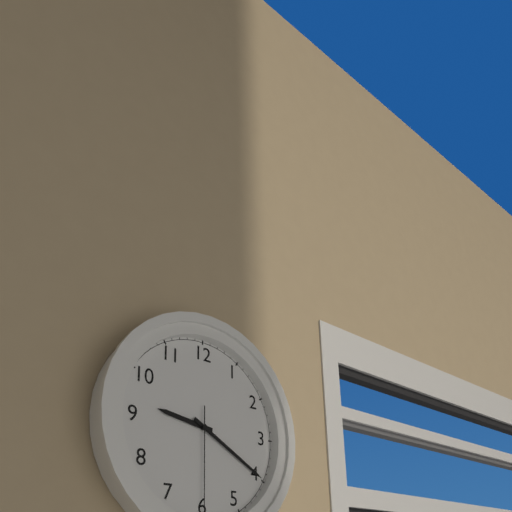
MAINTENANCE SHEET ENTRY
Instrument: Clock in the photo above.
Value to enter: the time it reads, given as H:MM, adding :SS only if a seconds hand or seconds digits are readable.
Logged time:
9:20
